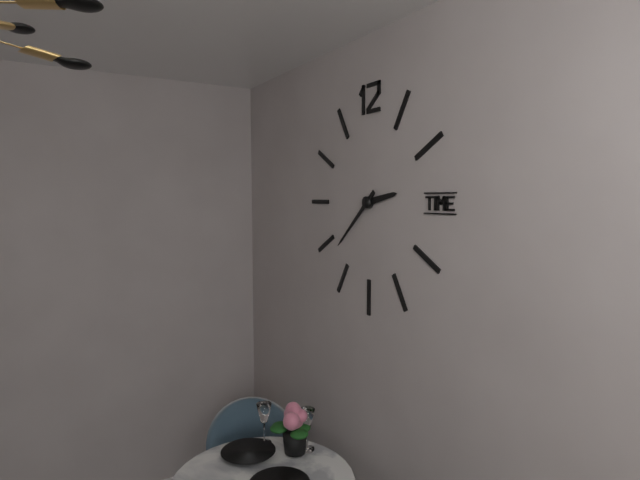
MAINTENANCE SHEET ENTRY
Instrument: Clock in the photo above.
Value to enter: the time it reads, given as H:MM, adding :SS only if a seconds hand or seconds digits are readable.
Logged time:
2:38
